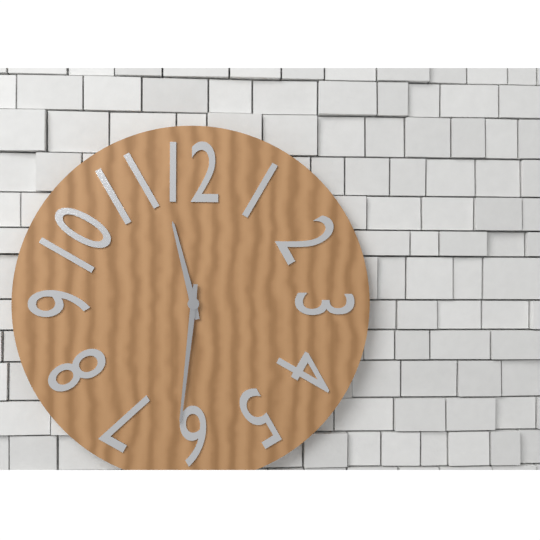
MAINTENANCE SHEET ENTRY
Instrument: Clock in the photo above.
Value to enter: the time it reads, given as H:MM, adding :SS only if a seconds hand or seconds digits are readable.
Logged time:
11:31
